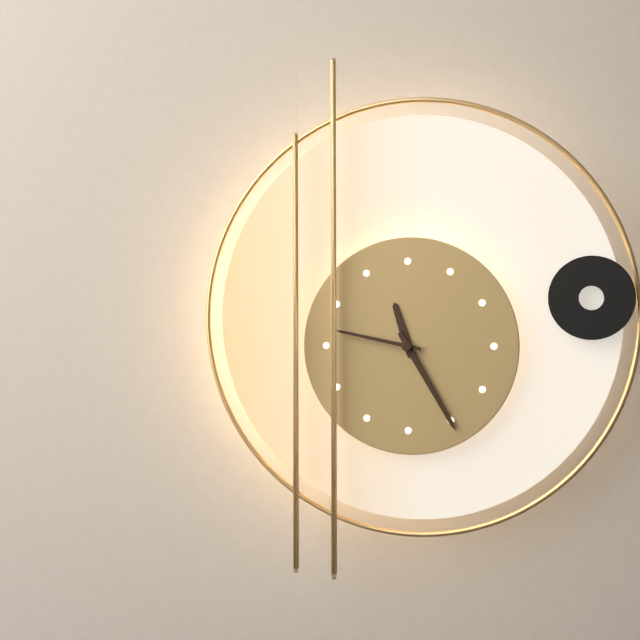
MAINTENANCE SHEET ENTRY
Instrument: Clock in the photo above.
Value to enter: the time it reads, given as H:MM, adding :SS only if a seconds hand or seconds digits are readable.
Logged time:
11:25:47
